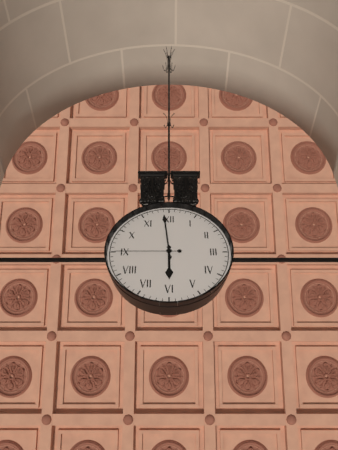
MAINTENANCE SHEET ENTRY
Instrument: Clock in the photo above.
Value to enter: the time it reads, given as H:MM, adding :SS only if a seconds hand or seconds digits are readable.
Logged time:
5:59:45
